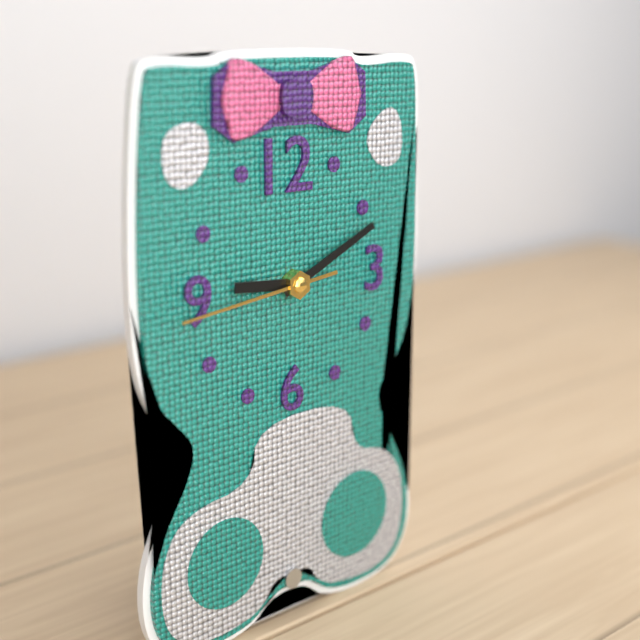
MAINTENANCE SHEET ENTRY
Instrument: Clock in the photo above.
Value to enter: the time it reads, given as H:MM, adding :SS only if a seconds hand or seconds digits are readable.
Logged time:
9:11:44
